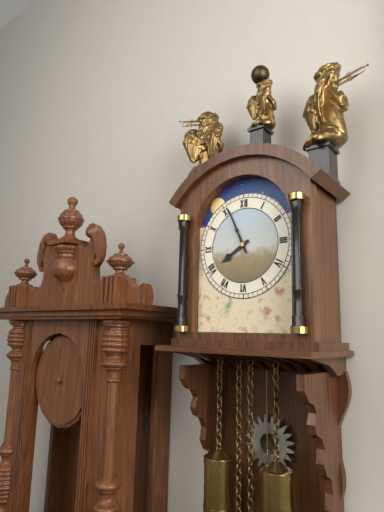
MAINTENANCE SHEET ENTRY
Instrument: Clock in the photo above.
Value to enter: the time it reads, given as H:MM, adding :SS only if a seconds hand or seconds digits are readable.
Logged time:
7:56
